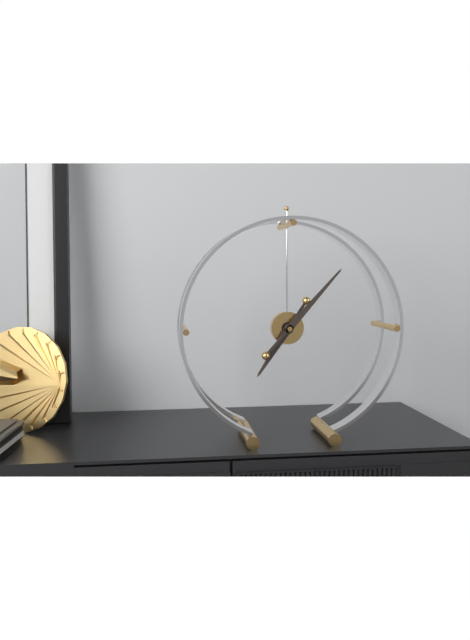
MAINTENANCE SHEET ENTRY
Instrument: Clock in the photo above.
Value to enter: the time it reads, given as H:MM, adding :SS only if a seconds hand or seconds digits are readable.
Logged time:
7:07
